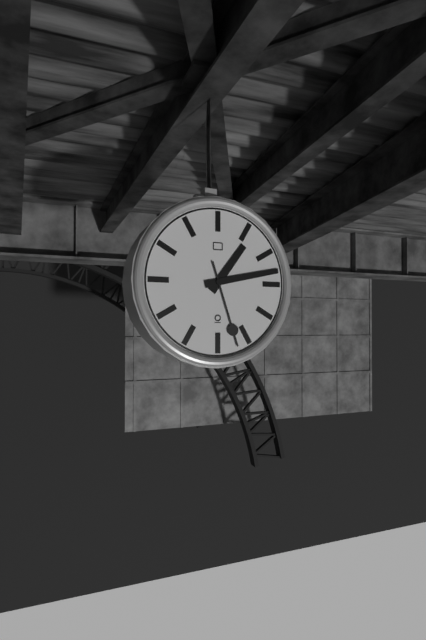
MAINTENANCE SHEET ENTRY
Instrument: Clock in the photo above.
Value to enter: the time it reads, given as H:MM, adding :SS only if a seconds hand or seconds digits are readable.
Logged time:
1:13:27
